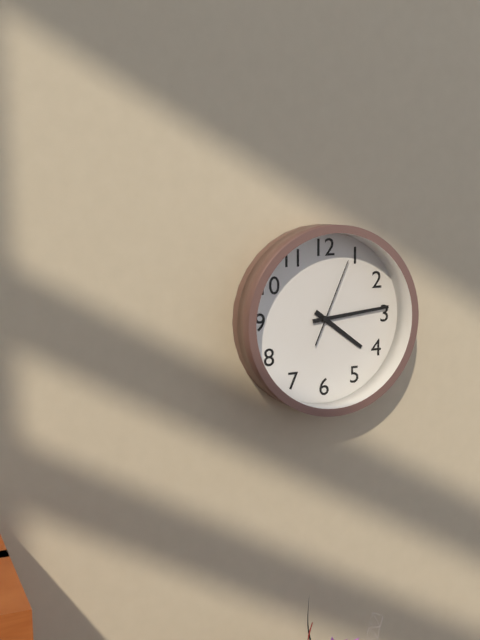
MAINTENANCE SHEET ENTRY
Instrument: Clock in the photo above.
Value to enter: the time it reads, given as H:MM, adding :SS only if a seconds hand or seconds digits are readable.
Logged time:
4:14:04
